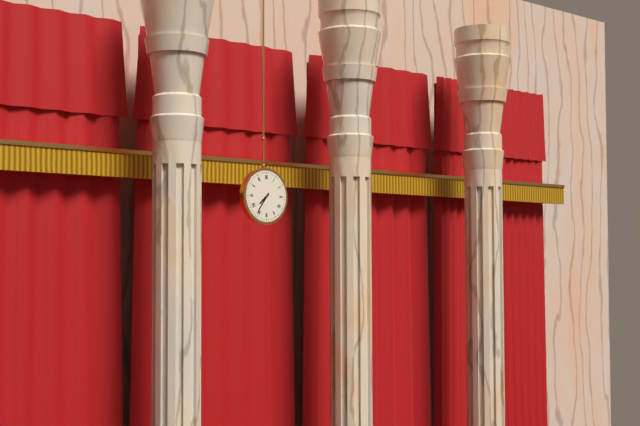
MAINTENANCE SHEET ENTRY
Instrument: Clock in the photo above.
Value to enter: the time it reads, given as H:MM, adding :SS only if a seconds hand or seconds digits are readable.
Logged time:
7:36
